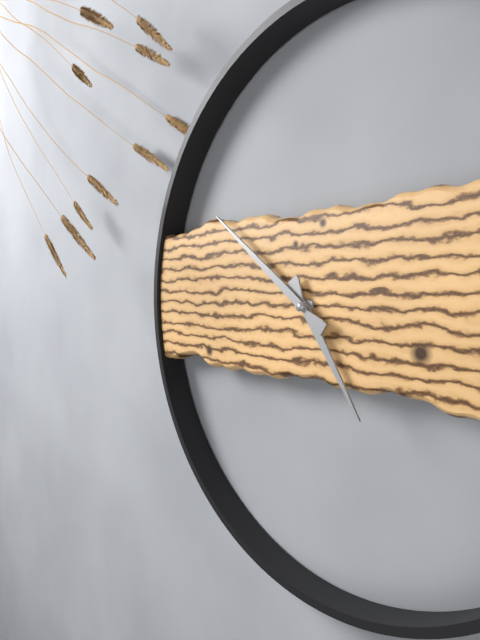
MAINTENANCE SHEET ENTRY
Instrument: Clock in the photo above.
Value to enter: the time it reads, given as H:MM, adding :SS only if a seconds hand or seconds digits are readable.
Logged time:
4:51
